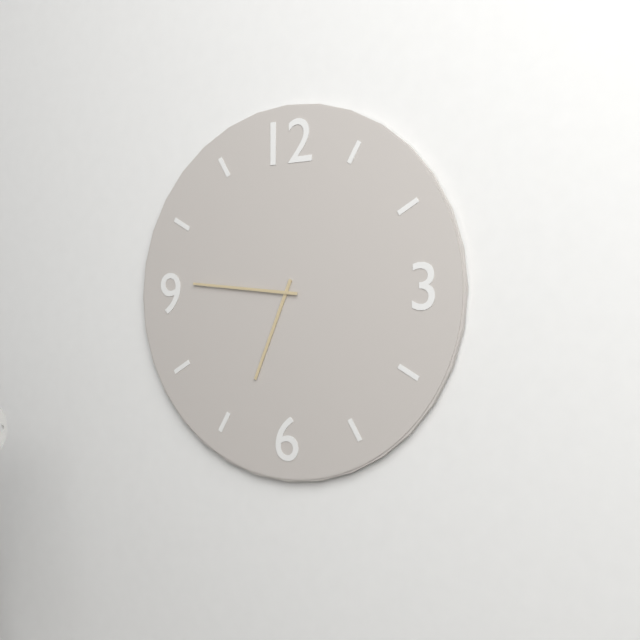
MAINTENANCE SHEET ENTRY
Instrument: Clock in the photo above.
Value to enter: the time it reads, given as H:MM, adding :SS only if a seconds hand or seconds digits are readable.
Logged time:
6:46
